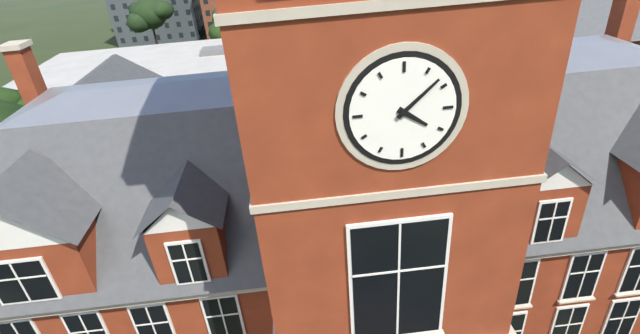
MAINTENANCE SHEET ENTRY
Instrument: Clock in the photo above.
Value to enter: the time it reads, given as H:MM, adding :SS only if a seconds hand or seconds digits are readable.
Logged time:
4:08
